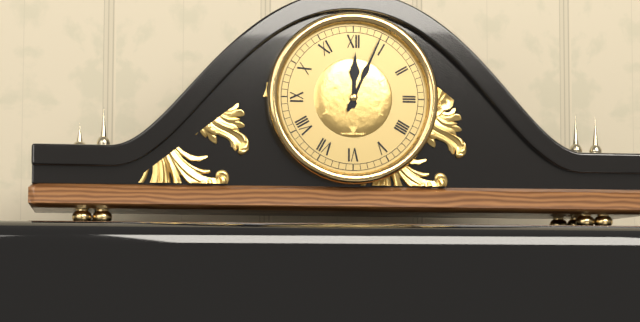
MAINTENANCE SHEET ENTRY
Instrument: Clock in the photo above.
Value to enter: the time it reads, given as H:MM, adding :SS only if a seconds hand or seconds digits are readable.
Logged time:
12:04
